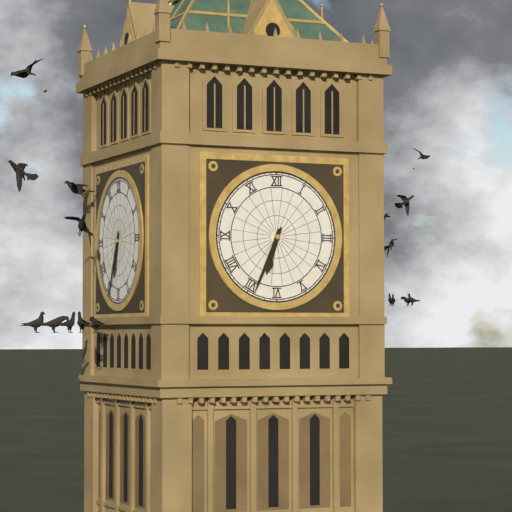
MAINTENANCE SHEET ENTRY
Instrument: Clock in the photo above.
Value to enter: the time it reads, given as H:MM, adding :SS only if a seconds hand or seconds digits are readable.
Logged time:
6:34
